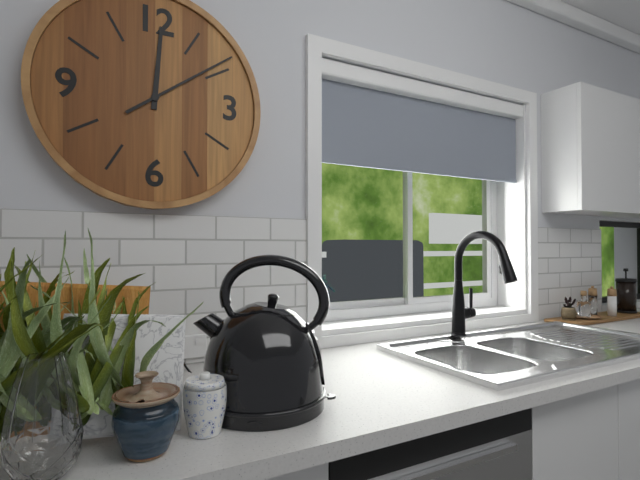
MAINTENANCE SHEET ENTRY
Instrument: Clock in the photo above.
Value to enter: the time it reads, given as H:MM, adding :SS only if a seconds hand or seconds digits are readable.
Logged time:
12:09
